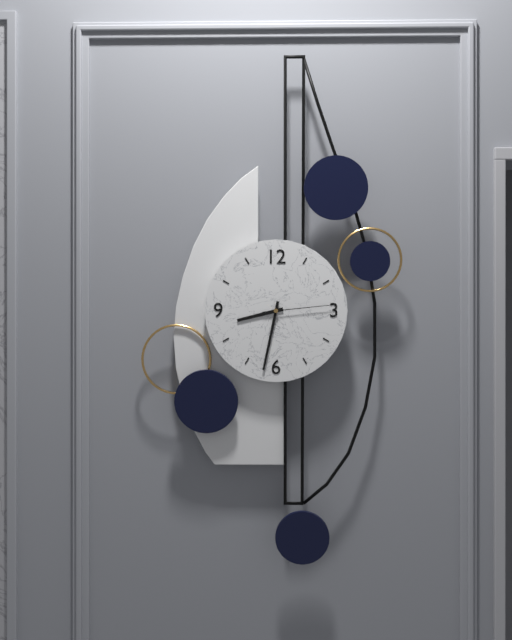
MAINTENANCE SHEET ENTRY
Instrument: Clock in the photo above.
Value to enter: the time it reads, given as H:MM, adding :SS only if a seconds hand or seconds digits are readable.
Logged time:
8:32:14
